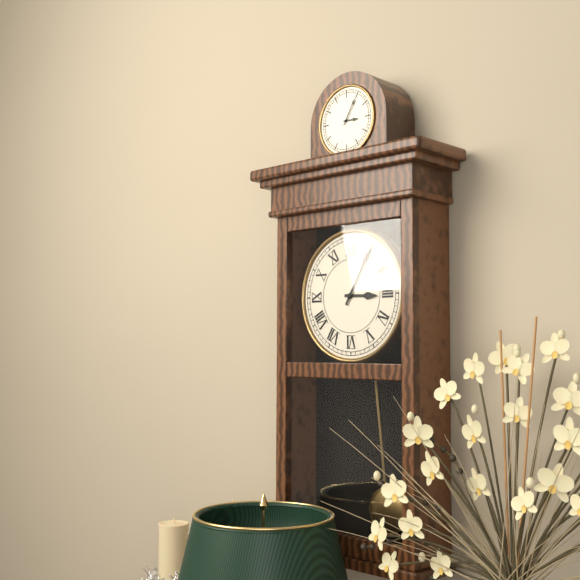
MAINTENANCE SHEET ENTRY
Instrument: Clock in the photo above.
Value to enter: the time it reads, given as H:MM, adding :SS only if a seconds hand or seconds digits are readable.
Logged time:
3:05
